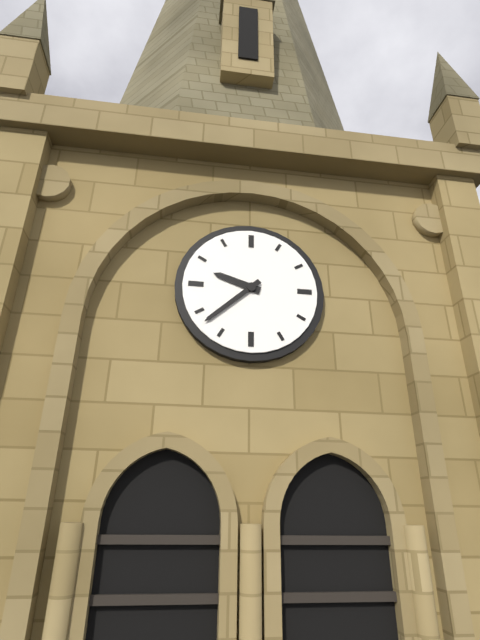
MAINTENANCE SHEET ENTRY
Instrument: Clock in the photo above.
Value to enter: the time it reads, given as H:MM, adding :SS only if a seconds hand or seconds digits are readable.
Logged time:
9:38
